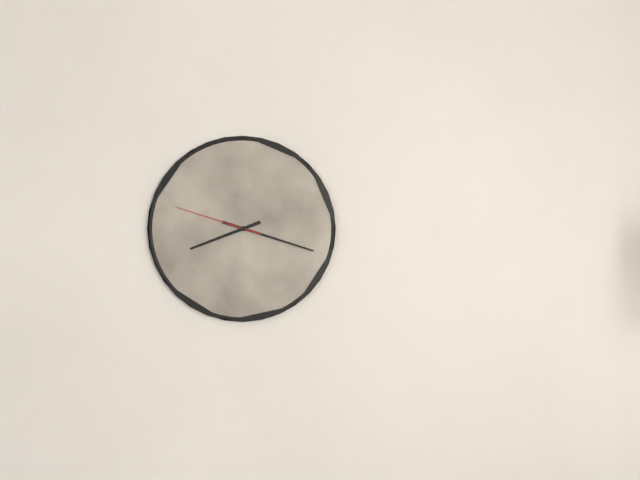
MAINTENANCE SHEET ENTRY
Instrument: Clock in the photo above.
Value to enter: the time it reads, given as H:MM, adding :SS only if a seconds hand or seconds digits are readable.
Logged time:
8:18:48
